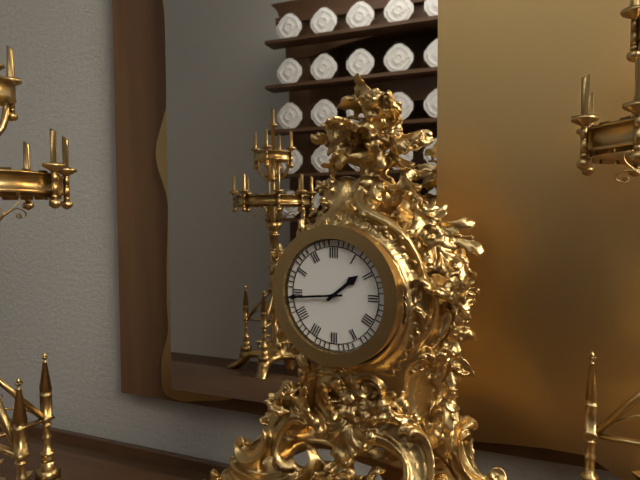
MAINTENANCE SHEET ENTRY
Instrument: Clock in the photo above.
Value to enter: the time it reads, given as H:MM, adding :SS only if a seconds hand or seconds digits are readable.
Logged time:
1:44
